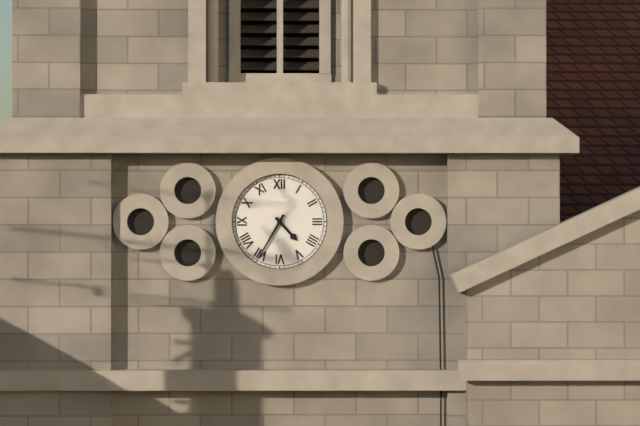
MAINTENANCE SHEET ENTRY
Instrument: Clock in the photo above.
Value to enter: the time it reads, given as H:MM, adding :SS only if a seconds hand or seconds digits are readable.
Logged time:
4:35
